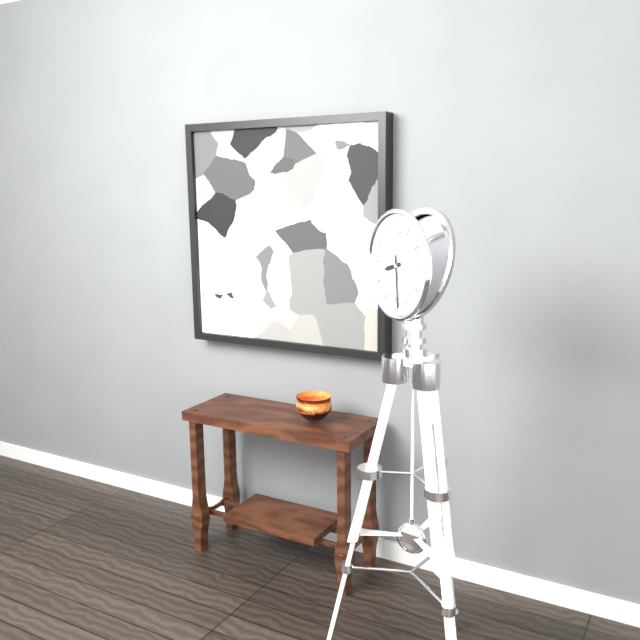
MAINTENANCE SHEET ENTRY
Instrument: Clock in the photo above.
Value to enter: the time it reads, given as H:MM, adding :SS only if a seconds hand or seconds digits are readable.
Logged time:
8:29
